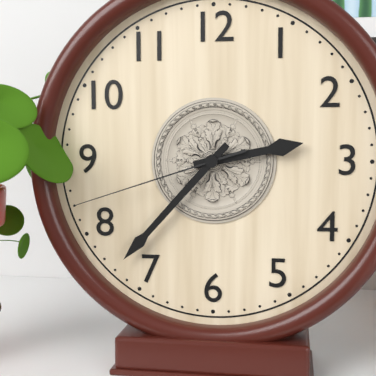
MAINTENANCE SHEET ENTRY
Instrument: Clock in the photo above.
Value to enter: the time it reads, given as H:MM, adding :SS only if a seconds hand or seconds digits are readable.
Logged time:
2:37:42
